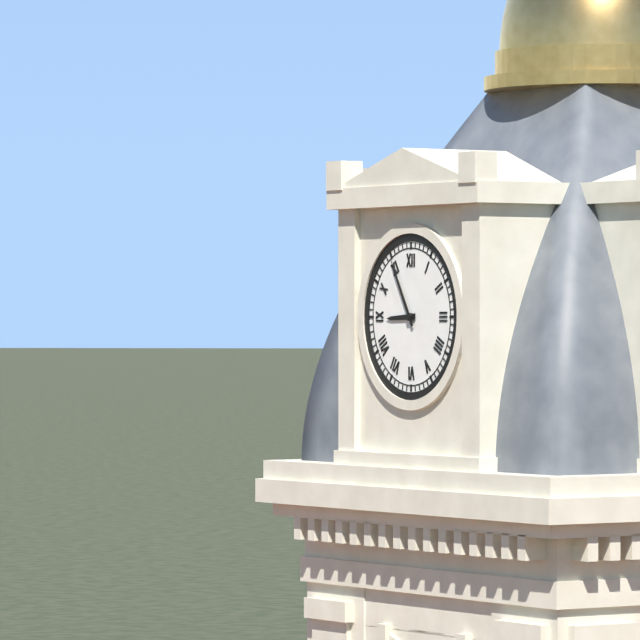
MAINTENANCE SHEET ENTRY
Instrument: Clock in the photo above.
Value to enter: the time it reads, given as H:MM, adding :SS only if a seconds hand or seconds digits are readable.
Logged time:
8:55
